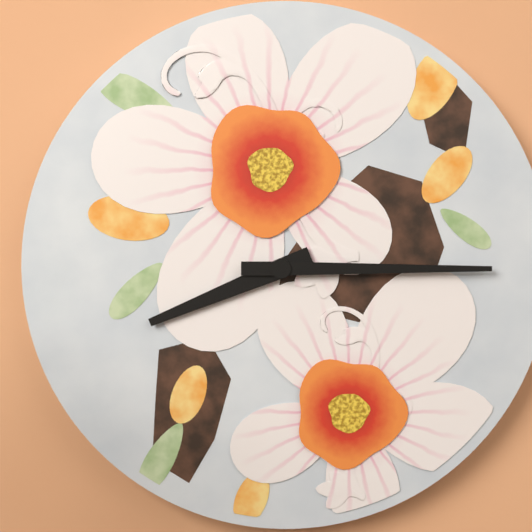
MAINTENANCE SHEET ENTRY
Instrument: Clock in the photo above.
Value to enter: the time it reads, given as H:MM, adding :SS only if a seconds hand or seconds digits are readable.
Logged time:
8:15
